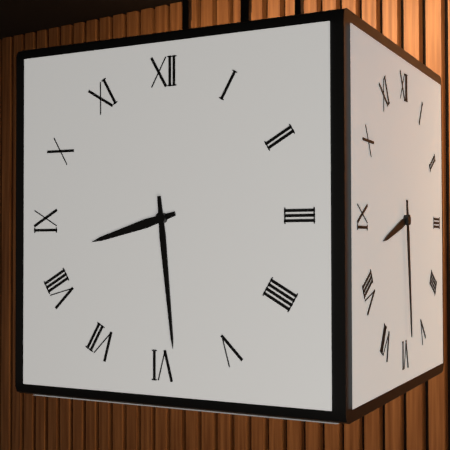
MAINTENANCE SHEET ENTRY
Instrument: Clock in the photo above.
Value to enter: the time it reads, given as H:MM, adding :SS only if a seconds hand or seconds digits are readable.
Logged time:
8:29
